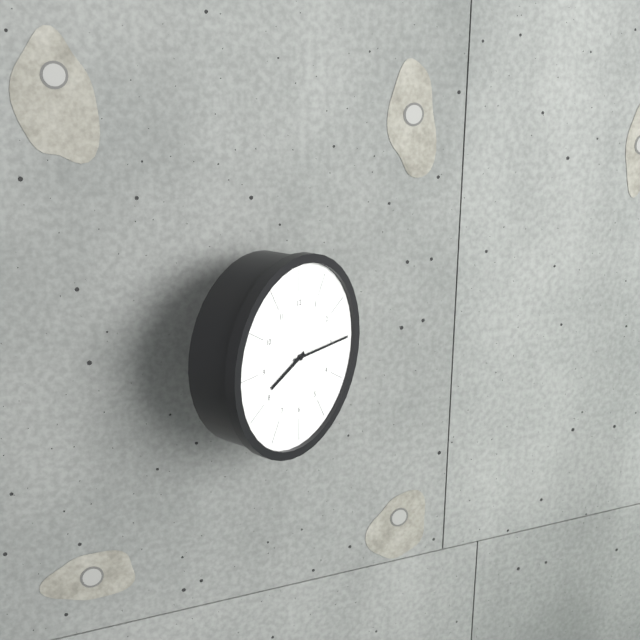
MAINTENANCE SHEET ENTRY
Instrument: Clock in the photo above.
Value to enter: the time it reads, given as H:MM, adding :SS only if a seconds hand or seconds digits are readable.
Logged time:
8:15
